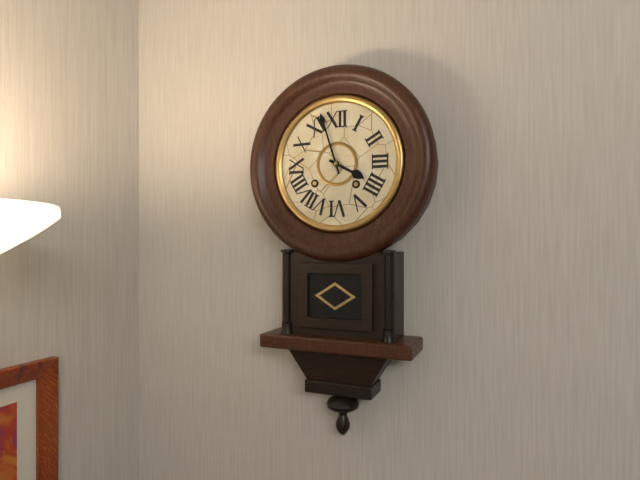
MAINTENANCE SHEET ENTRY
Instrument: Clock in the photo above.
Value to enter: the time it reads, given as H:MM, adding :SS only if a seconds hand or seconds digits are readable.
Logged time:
3:57
